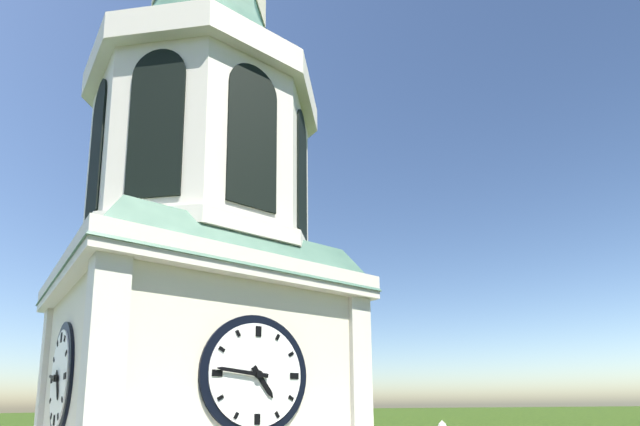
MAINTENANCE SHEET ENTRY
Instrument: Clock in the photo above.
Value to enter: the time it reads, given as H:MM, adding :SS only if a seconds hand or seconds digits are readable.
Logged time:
4:46
